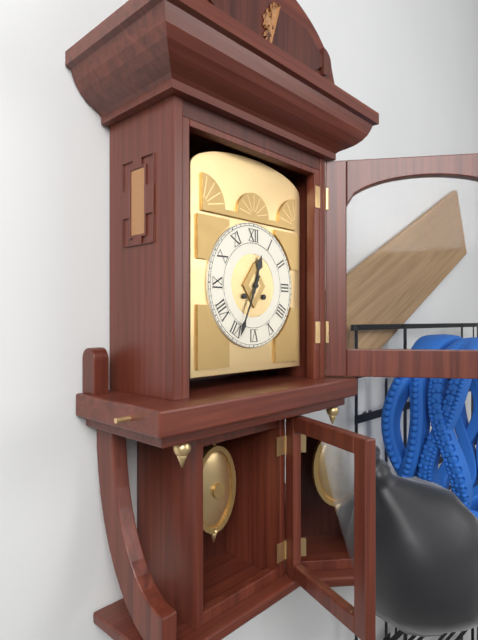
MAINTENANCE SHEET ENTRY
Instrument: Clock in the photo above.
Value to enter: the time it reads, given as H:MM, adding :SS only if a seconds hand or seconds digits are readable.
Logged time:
12:34
